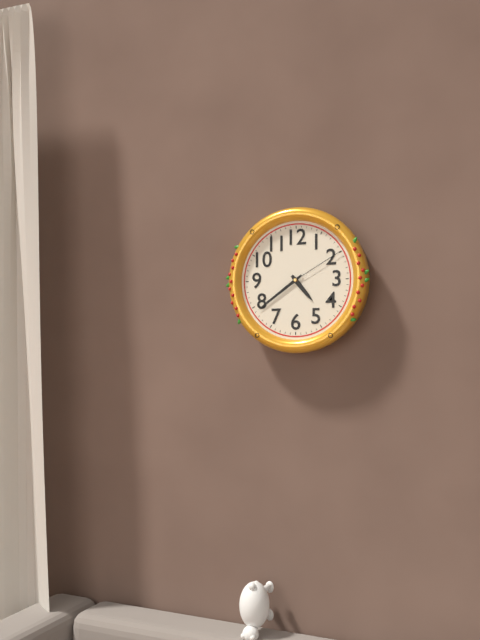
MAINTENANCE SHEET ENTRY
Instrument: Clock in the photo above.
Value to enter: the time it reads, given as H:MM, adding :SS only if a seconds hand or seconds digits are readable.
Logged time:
4:39:10
